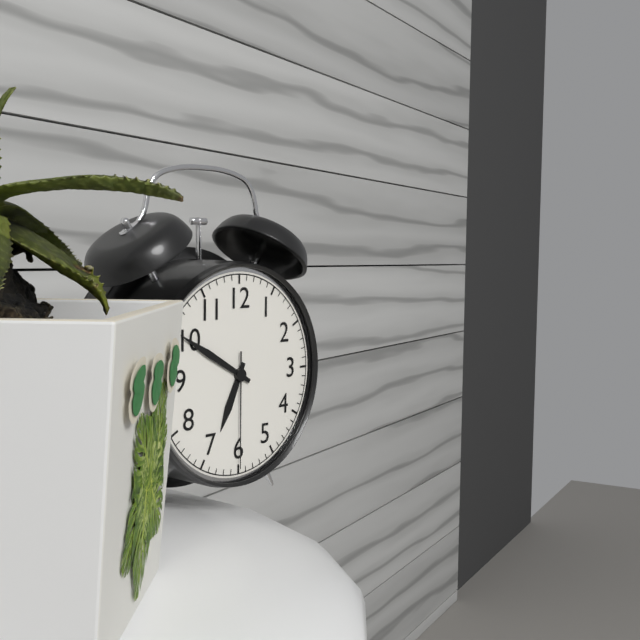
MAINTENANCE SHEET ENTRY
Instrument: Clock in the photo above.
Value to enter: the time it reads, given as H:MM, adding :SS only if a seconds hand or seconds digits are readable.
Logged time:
6:50:30
